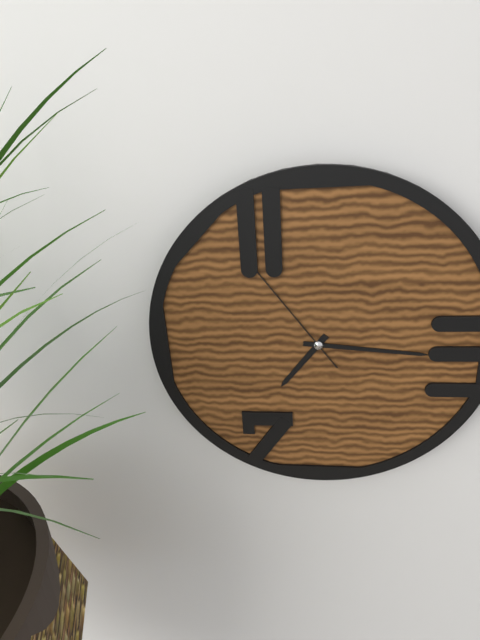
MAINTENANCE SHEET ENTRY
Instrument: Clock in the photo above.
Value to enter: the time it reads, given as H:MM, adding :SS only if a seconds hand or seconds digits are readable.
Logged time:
7:16:54
